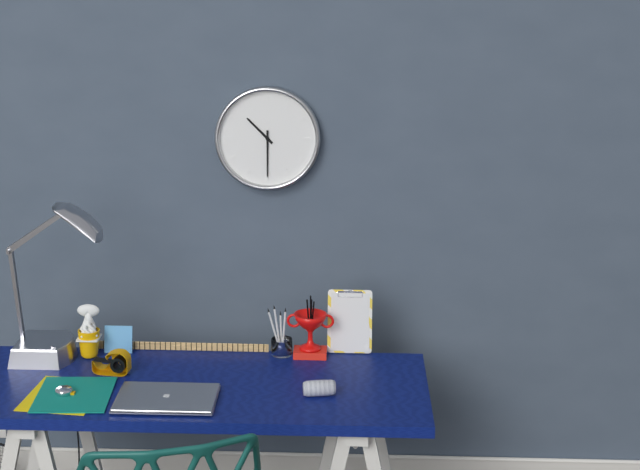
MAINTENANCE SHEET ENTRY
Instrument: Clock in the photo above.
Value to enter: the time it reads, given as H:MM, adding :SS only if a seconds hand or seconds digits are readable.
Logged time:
10:30
